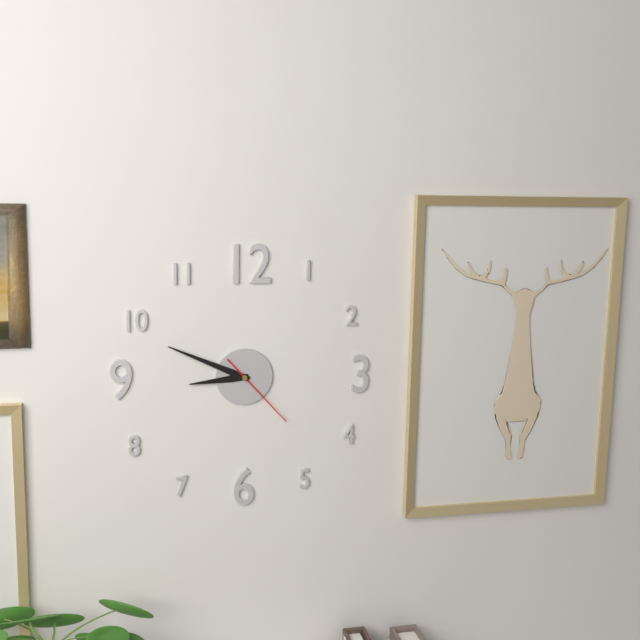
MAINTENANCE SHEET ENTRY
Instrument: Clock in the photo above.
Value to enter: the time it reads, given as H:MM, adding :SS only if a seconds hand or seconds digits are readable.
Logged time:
8:49:23
